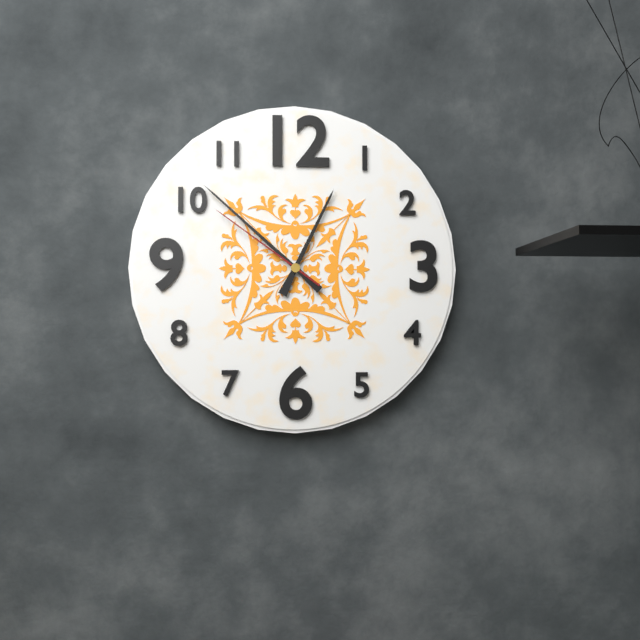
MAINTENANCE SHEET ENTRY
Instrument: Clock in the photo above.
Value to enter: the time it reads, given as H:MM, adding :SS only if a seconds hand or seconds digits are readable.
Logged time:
12:52:51
